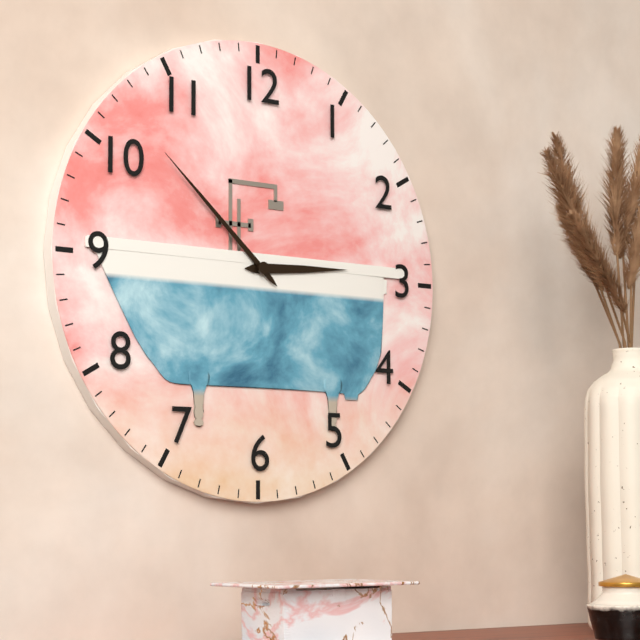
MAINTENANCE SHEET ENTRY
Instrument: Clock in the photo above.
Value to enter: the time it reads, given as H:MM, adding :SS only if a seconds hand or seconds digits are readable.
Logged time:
2:52
